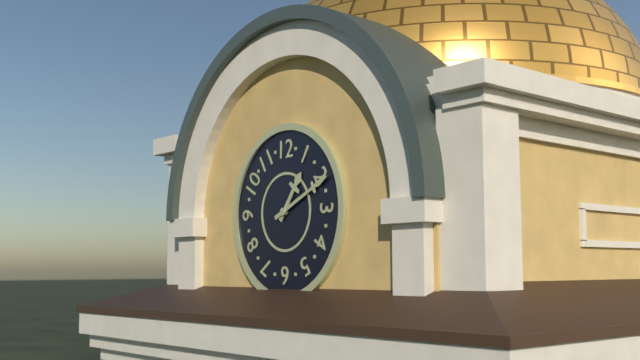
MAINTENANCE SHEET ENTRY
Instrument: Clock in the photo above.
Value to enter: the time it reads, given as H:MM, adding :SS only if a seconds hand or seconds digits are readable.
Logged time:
1:11
